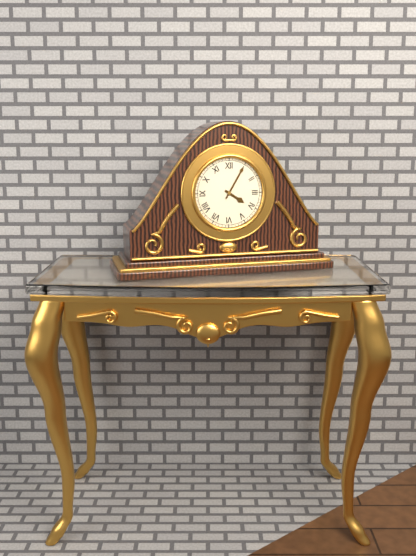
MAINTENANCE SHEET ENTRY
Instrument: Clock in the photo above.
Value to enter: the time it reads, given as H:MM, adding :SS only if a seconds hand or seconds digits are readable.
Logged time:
4:05
